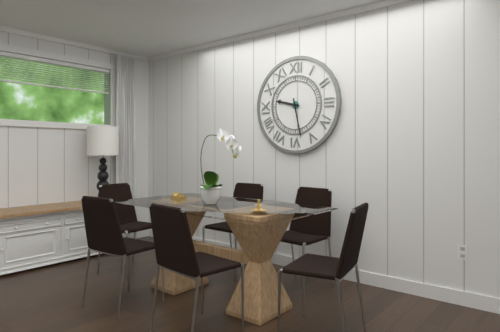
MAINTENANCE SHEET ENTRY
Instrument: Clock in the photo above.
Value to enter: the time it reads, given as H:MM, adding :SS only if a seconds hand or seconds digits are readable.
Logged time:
9:28
